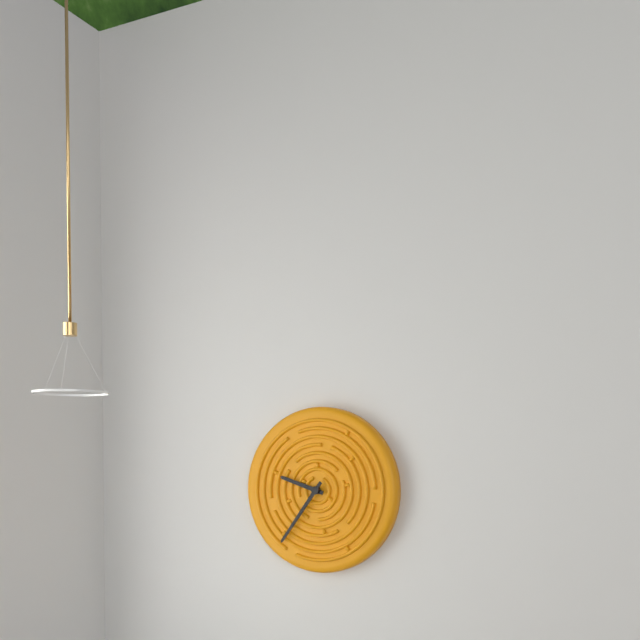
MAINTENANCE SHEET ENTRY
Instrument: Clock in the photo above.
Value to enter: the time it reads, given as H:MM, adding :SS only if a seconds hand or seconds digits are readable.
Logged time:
9:36
